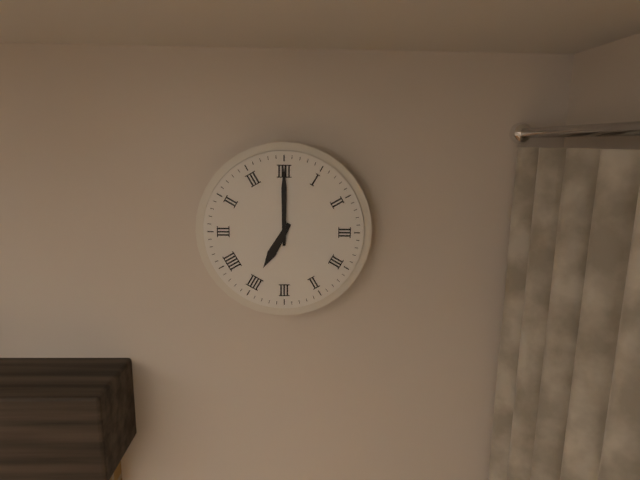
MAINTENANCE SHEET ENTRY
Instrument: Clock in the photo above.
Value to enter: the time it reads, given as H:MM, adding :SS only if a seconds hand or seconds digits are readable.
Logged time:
7:00
